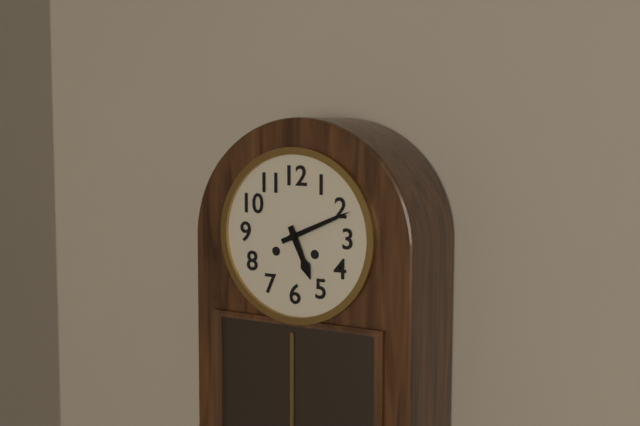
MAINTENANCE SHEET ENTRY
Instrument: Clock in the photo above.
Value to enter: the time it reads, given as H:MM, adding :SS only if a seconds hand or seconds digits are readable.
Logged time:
5:11
